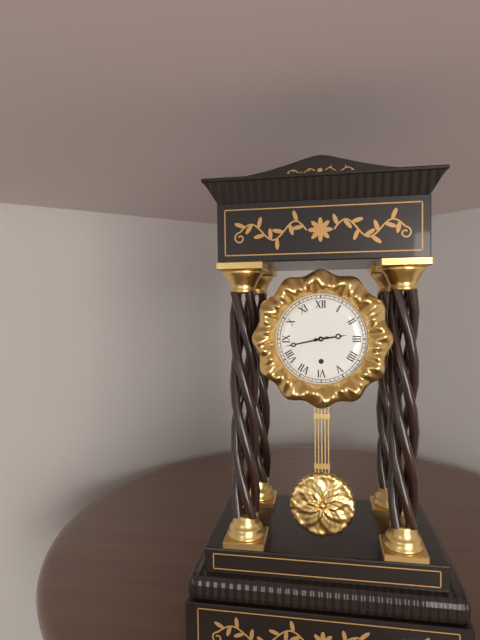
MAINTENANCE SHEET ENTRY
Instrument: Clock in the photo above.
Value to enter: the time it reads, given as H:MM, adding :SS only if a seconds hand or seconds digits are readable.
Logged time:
2:43
